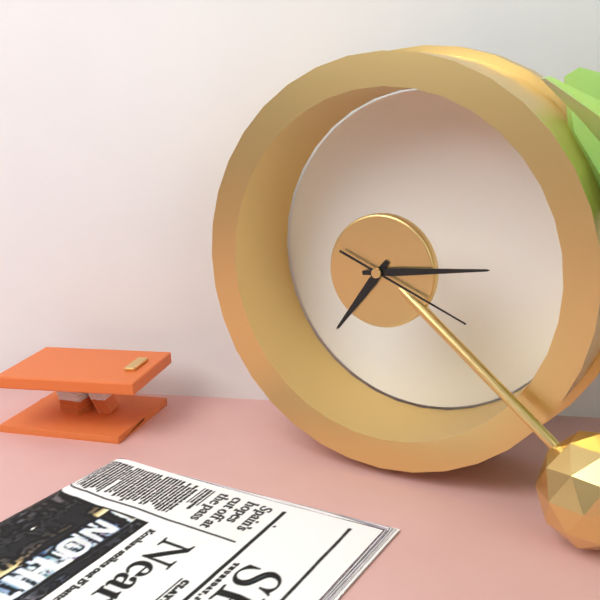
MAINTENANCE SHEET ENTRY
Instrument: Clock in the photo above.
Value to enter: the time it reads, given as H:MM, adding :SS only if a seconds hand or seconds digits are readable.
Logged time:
7:14:19
